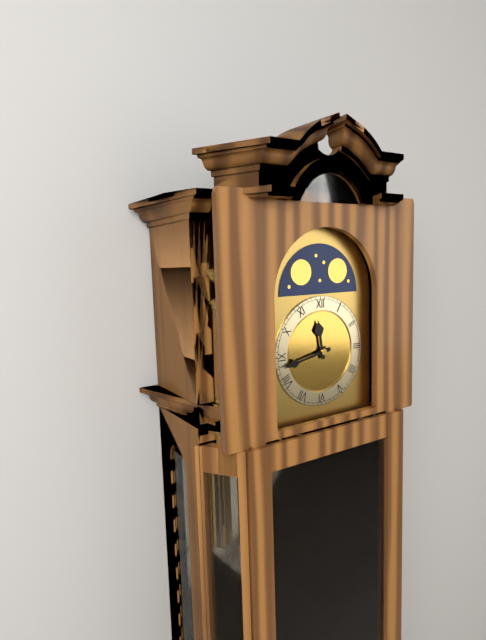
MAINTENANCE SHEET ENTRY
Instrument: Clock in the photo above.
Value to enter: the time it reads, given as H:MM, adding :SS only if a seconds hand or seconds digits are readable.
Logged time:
11:43
